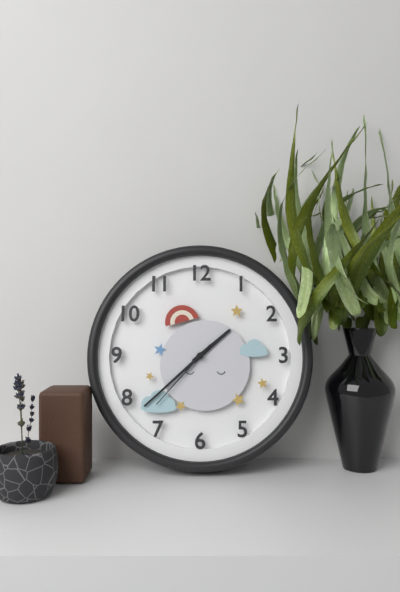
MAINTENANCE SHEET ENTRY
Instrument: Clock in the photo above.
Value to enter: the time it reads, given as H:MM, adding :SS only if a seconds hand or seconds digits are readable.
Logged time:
1:38:37
